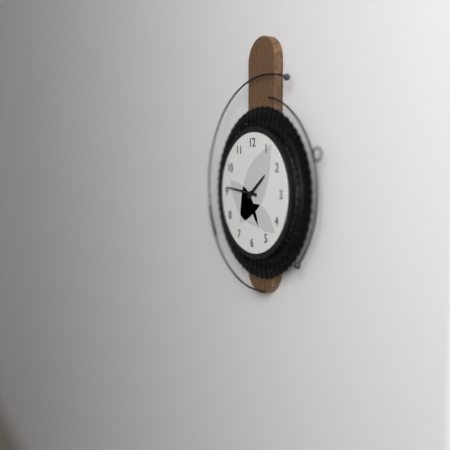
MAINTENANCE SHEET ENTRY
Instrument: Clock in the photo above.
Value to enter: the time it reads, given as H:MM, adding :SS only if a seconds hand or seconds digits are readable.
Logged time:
1:46
